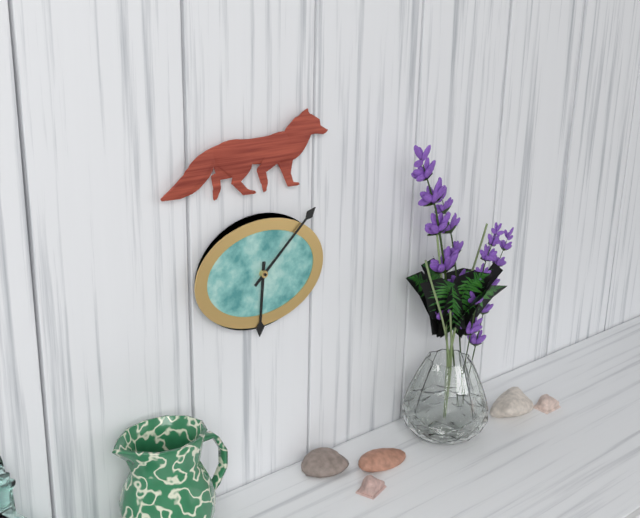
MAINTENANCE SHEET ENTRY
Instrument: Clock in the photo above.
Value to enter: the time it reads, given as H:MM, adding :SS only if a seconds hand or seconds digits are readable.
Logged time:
6:08
